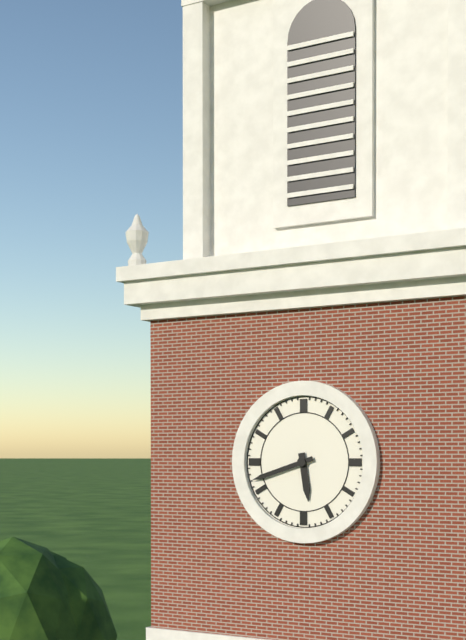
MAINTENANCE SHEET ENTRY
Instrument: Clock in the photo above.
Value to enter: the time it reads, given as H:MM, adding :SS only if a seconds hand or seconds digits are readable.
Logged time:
5:42
